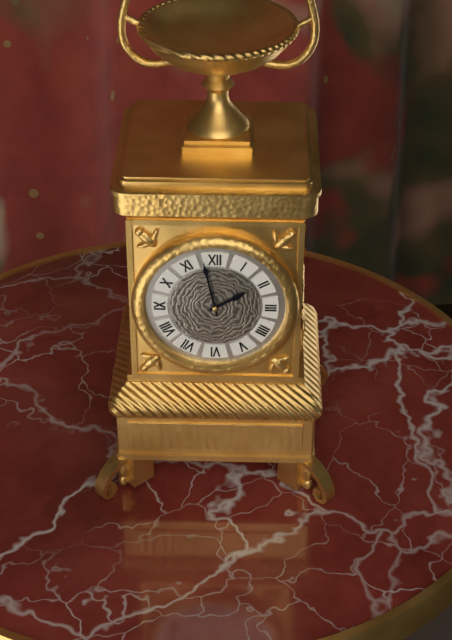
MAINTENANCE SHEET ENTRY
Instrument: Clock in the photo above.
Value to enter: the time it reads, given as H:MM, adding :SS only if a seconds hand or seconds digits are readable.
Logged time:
1:58
